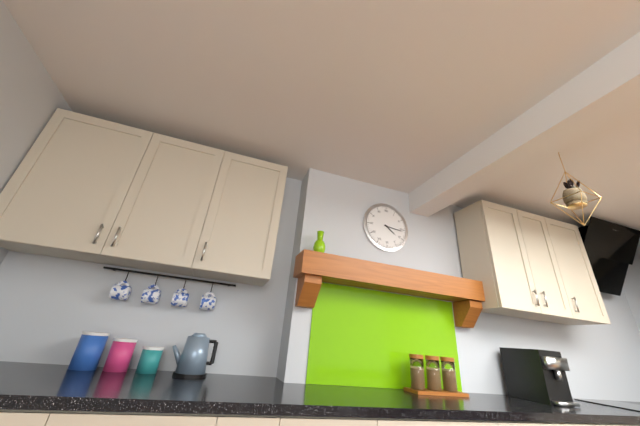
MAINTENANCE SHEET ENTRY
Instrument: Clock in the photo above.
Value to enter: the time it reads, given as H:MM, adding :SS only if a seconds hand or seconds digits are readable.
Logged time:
4:16
